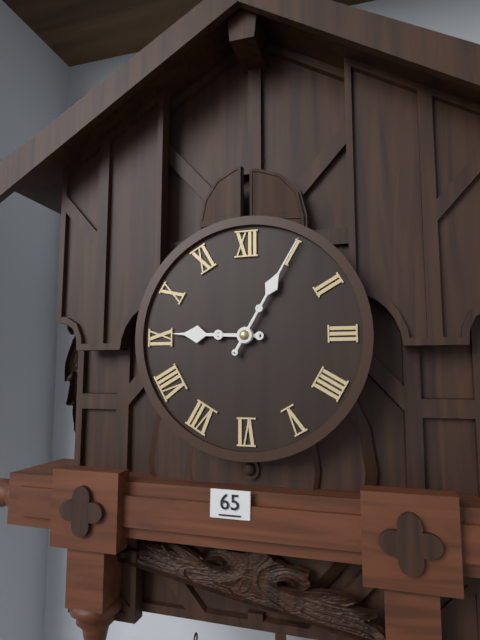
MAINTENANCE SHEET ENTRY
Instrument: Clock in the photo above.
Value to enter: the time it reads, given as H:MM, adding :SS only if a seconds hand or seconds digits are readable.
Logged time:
9:05
